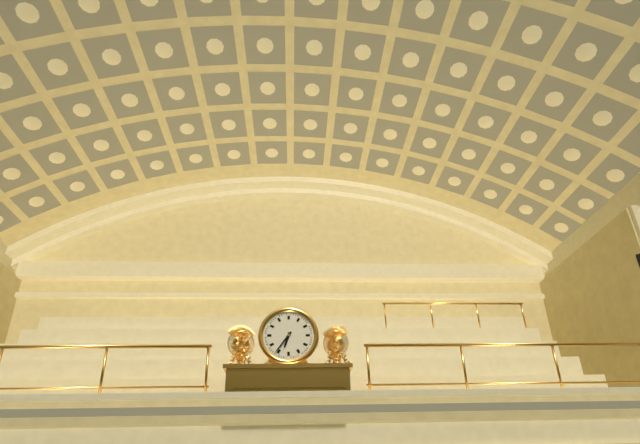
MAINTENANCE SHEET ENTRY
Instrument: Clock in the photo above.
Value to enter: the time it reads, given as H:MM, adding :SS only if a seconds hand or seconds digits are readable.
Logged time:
6:36
